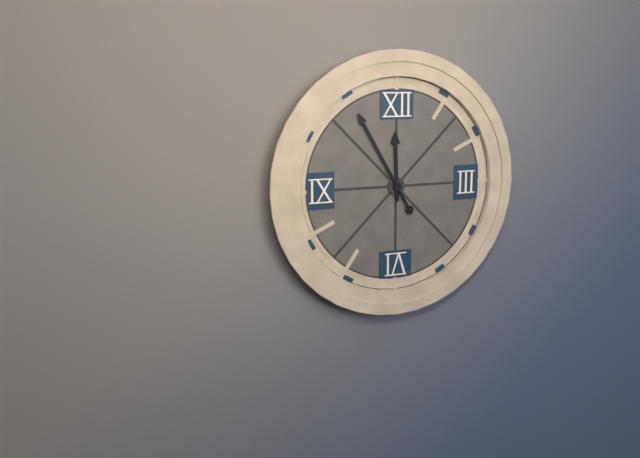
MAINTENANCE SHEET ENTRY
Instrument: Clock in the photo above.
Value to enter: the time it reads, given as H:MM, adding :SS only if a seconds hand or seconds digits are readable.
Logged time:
11:55
